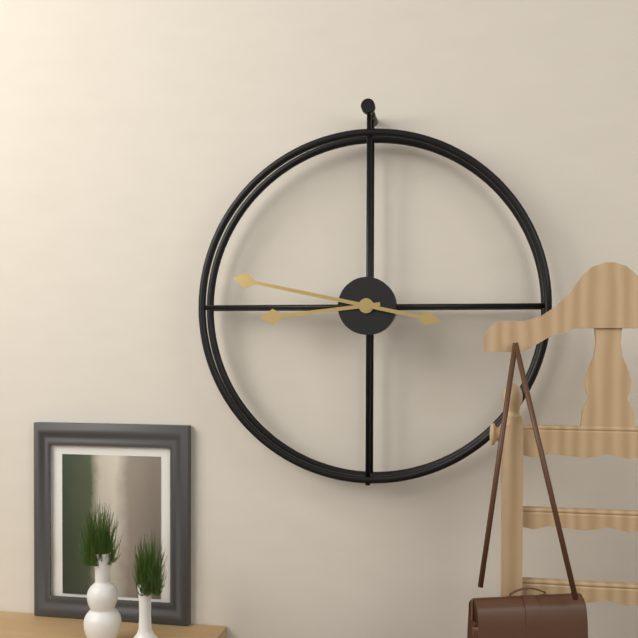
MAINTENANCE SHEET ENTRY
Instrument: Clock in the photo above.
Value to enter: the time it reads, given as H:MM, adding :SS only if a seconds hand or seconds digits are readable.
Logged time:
8:47
